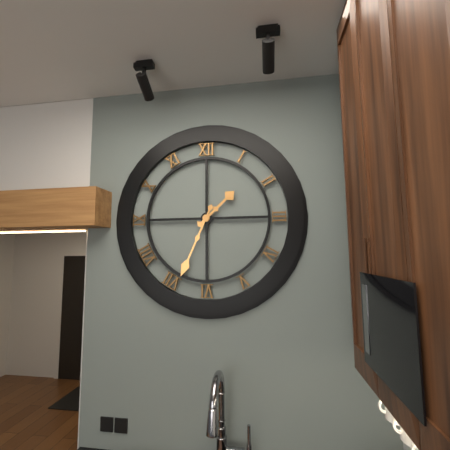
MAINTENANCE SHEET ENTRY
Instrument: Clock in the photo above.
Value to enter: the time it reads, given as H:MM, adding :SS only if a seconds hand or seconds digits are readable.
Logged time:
1:34
